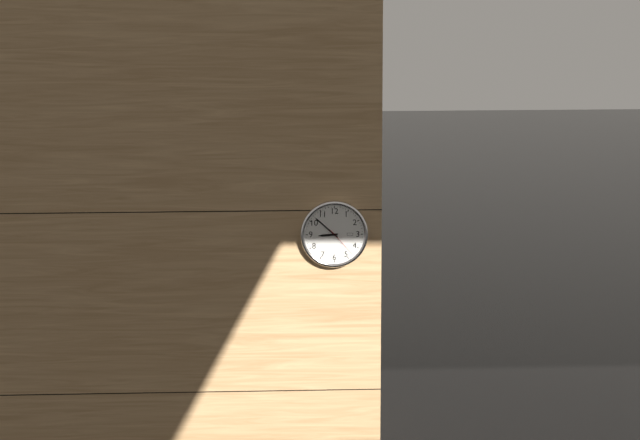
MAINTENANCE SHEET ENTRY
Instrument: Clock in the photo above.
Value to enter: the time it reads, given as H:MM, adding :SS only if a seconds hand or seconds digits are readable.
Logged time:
8:52
